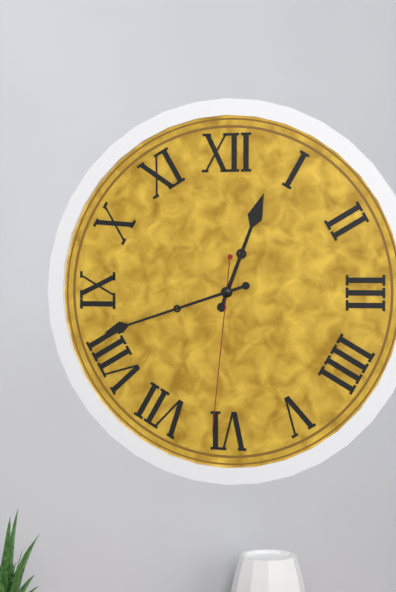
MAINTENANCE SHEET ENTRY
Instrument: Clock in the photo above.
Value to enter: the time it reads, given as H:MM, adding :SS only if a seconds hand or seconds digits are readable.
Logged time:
12:42:31
